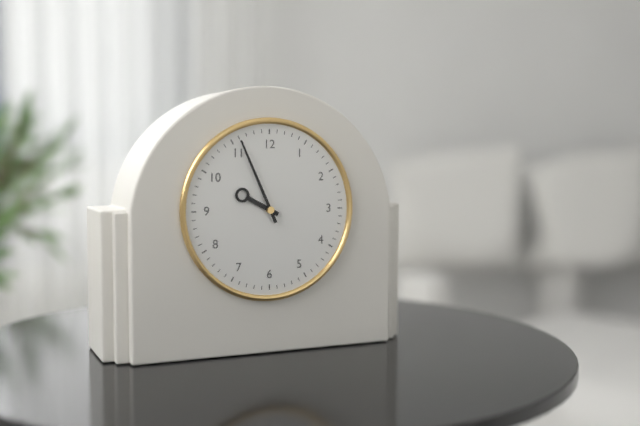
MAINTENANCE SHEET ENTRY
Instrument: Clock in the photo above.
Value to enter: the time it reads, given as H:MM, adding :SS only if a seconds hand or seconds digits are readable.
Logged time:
9:56
